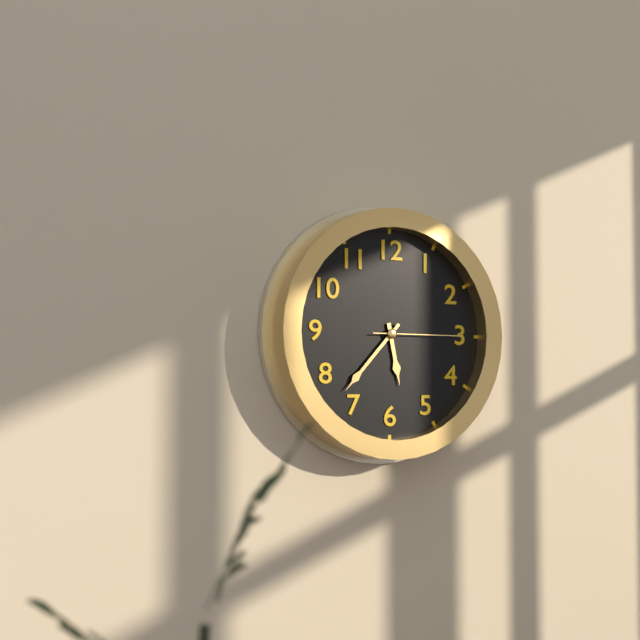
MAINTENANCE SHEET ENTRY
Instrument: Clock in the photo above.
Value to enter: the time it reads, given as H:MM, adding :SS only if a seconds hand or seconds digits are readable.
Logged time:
5:37:15
